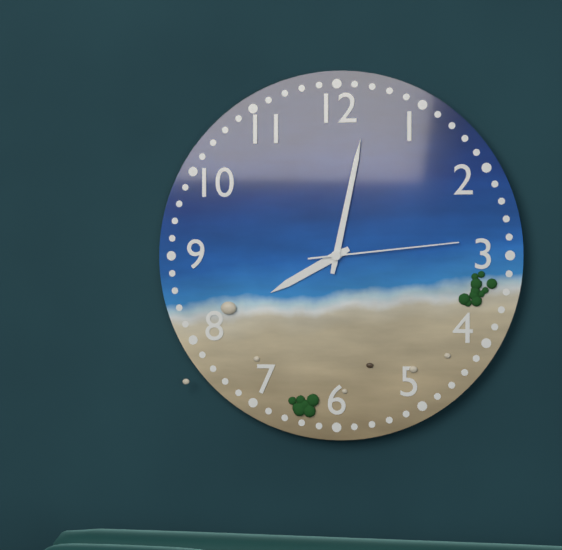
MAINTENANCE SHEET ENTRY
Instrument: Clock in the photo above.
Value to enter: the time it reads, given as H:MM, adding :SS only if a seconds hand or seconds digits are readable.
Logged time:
8:02:14
